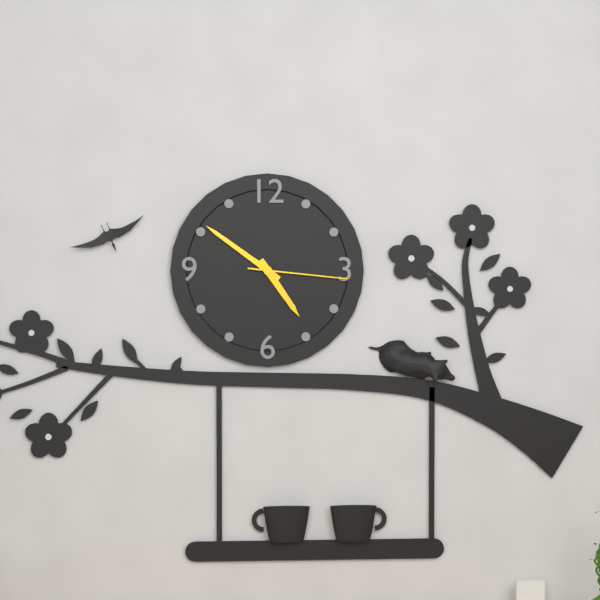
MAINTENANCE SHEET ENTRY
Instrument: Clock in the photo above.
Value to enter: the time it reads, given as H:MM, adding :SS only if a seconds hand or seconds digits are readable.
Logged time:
4:51:16
